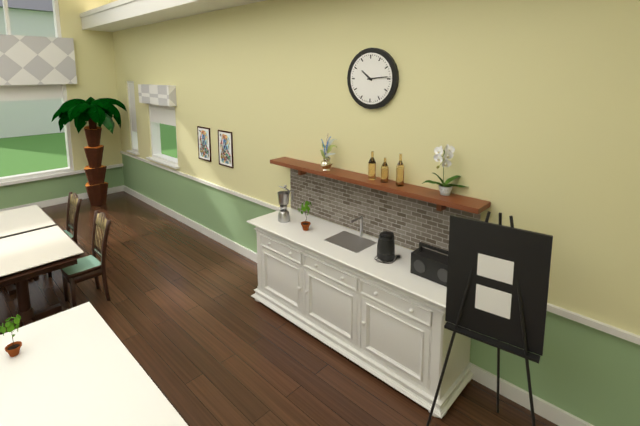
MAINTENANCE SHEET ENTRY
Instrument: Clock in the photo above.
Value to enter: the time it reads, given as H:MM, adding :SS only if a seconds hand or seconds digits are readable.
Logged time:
10:14
